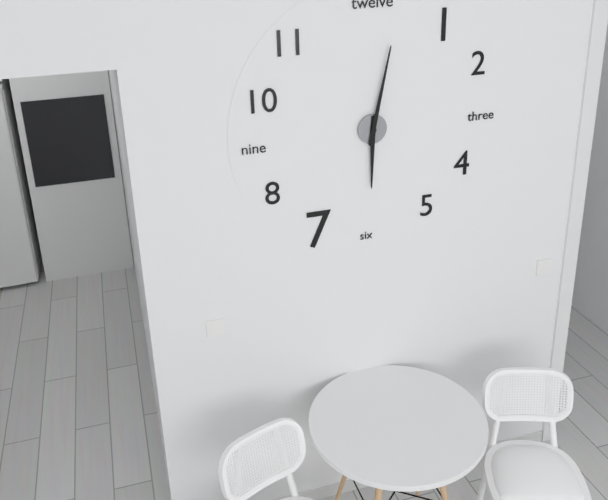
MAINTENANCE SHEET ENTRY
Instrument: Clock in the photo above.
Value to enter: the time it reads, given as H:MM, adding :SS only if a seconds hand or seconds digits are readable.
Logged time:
6:02
